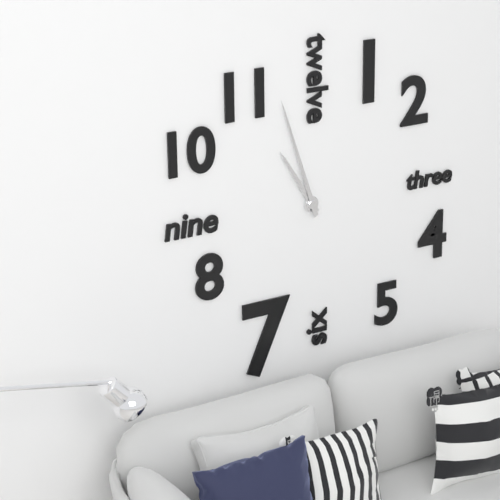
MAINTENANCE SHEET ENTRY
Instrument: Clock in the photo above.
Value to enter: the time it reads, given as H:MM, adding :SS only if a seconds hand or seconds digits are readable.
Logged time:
10:57
